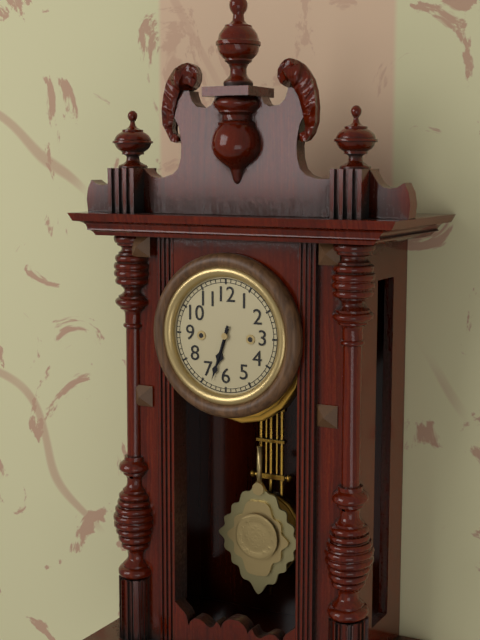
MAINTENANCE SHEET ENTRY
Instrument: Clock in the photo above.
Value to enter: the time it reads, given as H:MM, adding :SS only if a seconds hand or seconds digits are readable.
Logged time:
6:33
